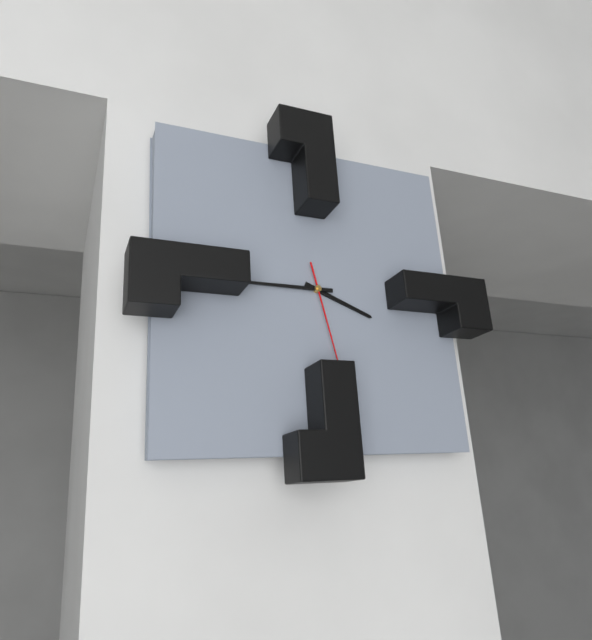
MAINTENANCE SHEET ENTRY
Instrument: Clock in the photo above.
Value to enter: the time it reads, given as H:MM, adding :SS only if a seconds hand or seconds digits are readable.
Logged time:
3:45:28
